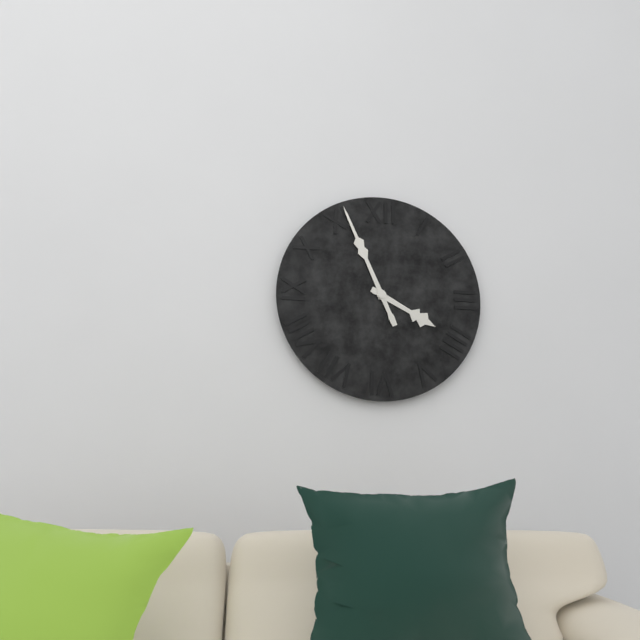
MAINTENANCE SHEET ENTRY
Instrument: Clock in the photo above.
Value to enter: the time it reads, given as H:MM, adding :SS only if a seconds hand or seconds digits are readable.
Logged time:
3:56
